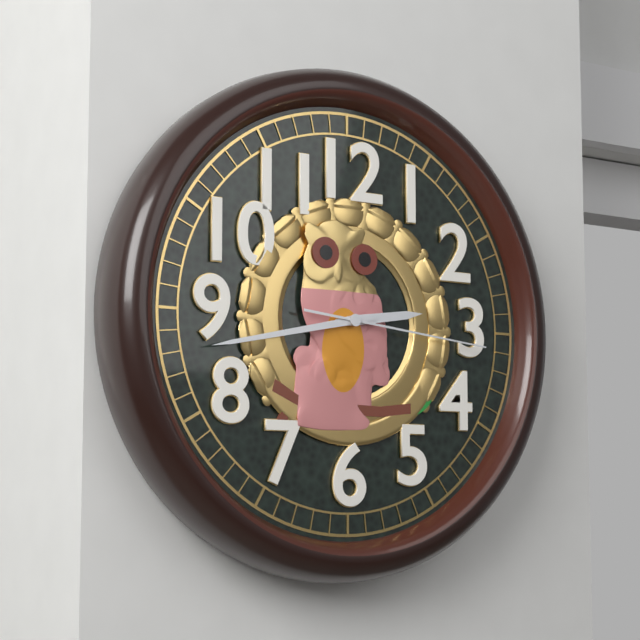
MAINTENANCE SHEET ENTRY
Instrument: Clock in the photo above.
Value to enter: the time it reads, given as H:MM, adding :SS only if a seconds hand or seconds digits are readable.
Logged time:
2:43:16
